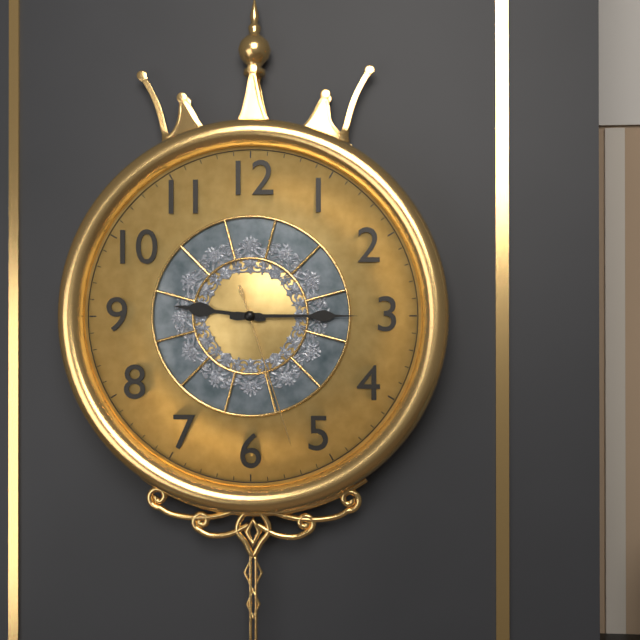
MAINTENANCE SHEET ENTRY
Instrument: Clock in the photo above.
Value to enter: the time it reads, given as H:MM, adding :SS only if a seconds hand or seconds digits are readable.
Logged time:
9:15:27
